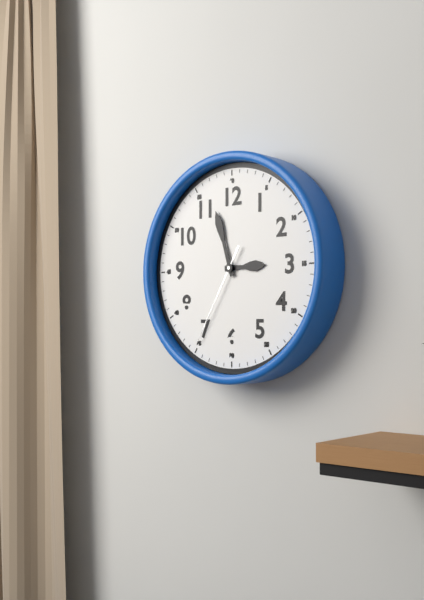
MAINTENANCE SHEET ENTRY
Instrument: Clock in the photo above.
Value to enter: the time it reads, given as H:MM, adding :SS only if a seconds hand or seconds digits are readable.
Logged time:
2:57:35
